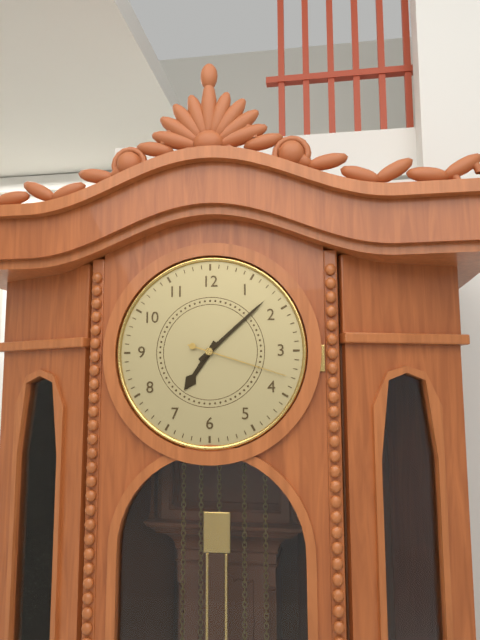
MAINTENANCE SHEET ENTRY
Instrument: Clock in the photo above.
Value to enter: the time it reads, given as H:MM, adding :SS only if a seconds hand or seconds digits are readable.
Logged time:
7:08:18
